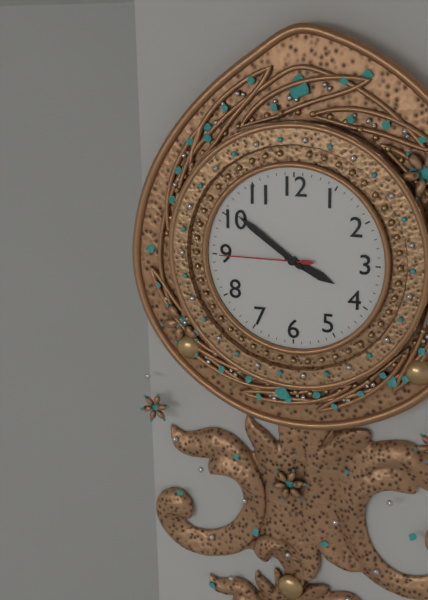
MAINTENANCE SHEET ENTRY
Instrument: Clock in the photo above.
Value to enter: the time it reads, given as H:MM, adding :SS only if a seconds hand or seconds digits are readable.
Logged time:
3:51:45
